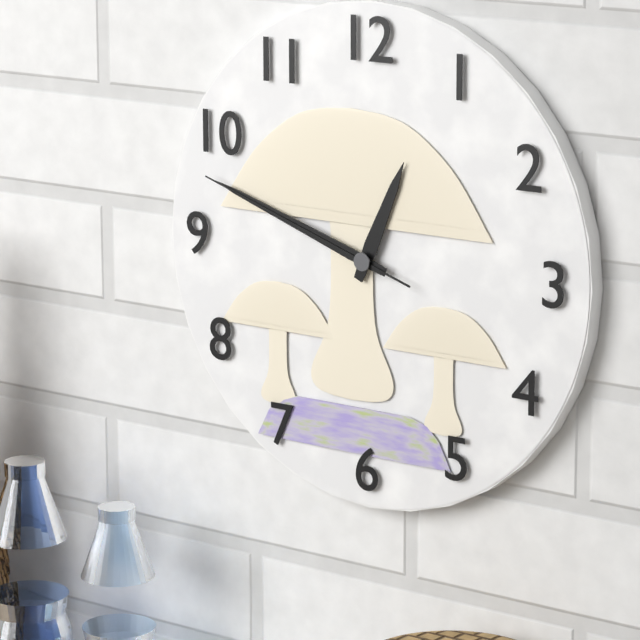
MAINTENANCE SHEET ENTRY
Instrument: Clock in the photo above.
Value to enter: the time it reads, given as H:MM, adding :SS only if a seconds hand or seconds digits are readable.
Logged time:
12:48:48
